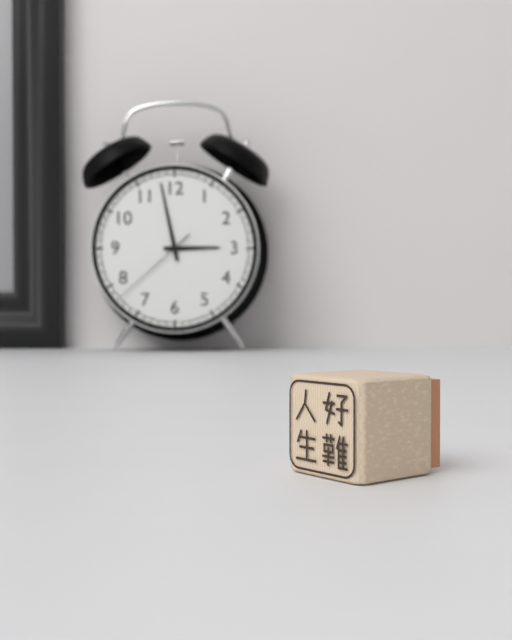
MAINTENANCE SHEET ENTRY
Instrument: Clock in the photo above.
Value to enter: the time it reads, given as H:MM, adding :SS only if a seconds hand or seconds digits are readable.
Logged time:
2:58:38
